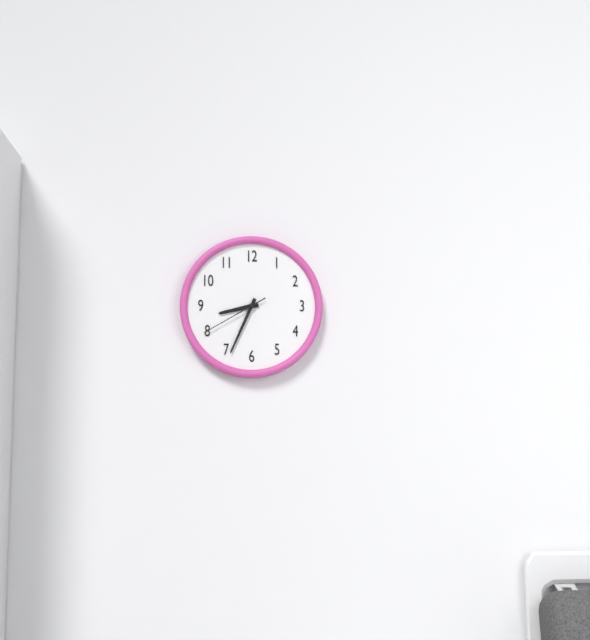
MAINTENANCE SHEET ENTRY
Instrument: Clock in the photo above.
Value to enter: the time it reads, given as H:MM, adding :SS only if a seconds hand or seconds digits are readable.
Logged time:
8:34:40
